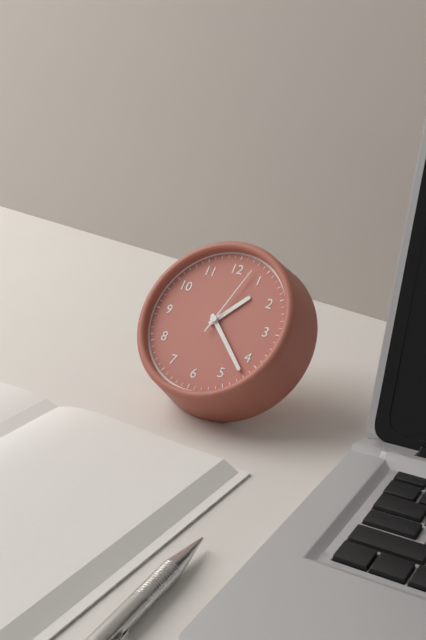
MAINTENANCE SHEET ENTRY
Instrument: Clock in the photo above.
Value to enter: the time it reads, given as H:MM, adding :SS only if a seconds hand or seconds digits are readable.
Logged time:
1:22:03
